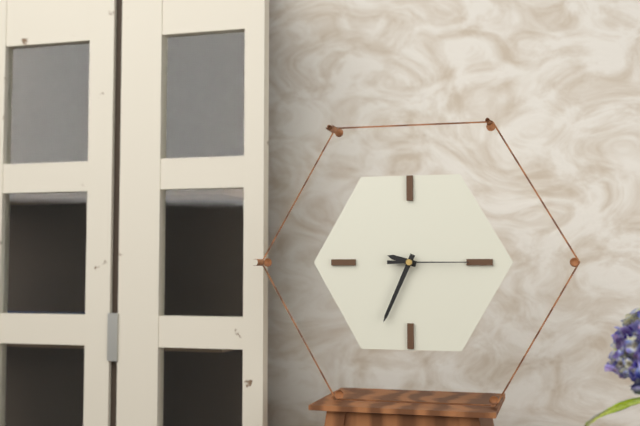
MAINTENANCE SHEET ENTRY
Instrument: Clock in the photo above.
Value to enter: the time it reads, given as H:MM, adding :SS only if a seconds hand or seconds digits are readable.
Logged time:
9:34:15
